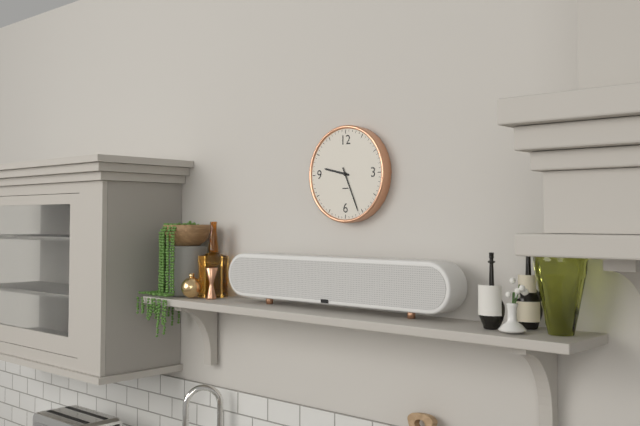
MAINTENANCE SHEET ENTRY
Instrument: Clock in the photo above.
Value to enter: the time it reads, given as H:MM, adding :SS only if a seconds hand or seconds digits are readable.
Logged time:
9:26
